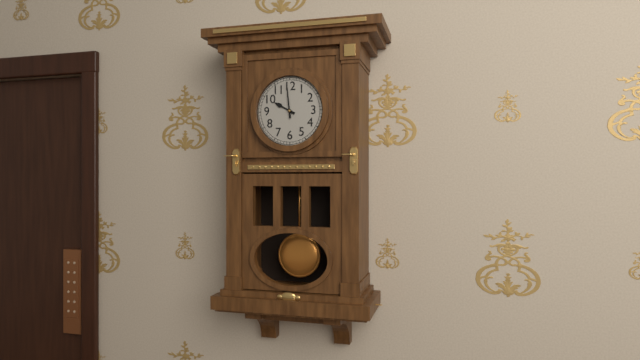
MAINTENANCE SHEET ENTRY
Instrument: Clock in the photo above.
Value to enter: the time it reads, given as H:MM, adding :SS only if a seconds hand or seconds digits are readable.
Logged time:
9:59
